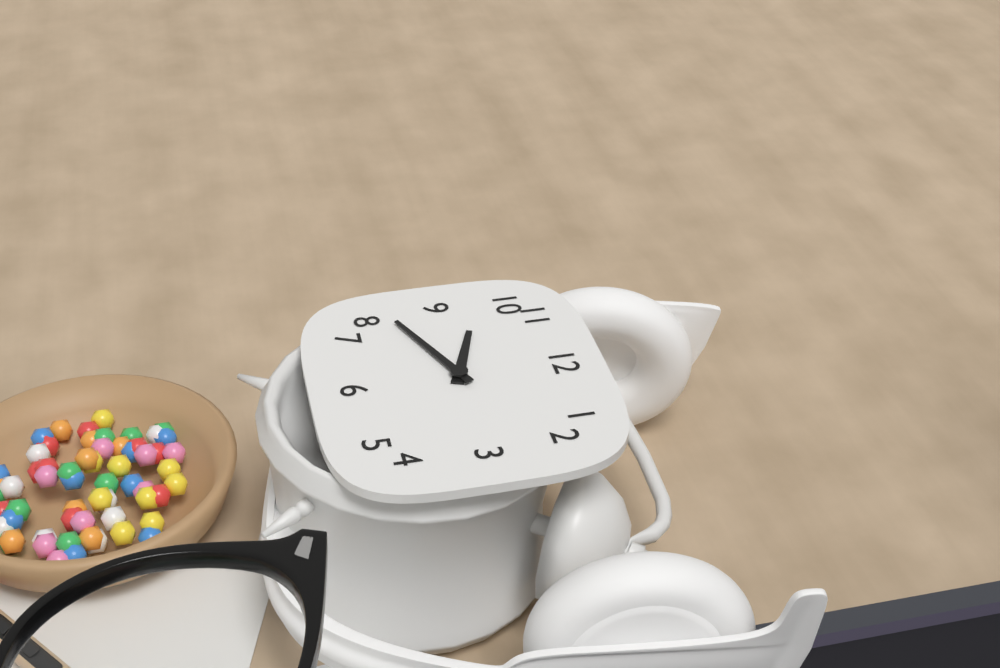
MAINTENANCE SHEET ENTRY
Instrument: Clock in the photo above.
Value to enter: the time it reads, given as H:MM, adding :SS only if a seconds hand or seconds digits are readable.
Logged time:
9:41
